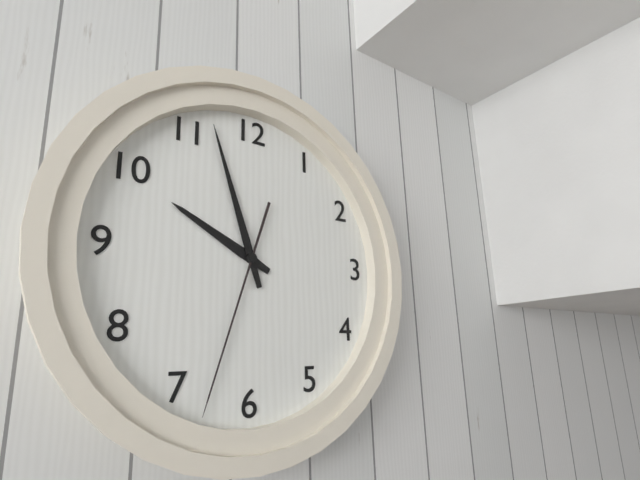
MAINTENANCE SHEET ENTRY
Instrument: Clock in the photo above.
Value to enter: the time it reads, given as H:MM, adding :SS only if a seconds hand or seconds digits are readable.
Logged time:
9:57:33
